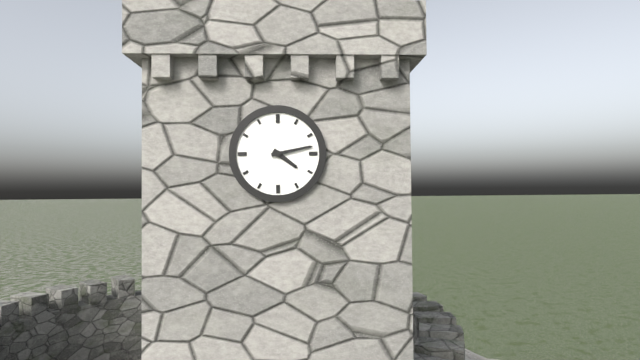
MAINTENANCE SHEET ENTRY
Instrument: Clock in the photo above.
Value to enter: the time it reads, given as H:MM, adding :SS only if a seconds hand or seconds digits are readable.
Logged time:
4:13
